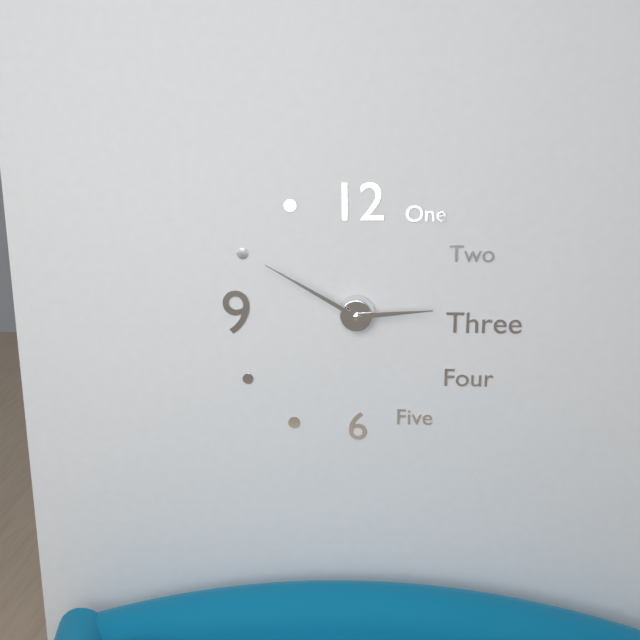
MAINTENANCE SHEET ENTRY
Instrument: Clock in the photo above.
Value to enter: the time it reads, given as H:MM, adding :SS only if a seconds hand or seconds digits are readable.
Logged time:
2:50
